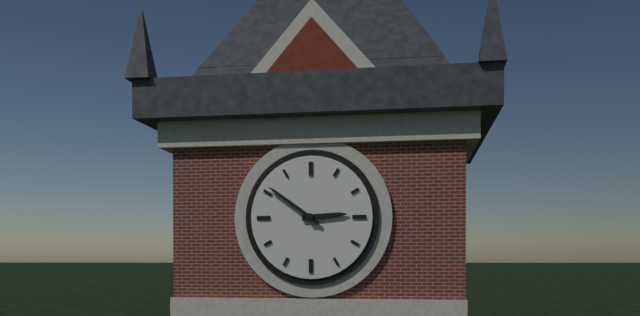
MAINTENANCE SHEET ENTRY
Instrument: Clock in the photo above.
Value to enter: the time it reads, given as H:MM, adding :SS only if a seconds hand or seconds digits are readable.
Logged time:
2:51
